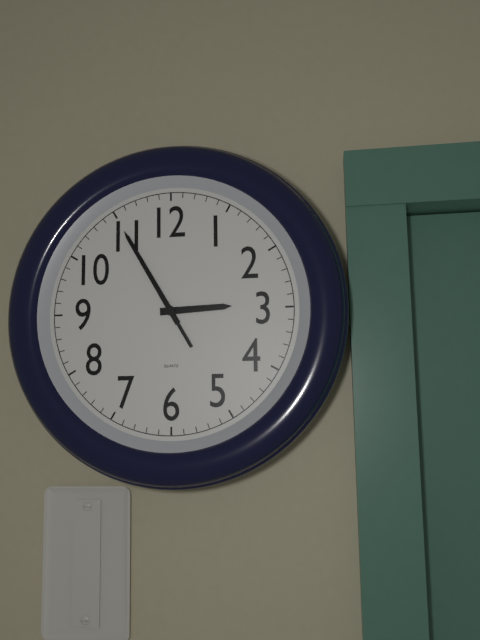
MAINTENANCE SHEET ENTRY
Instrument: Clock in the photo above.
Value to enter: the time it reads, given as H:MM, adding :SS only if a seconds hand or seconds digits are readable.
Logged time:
2:55:55
